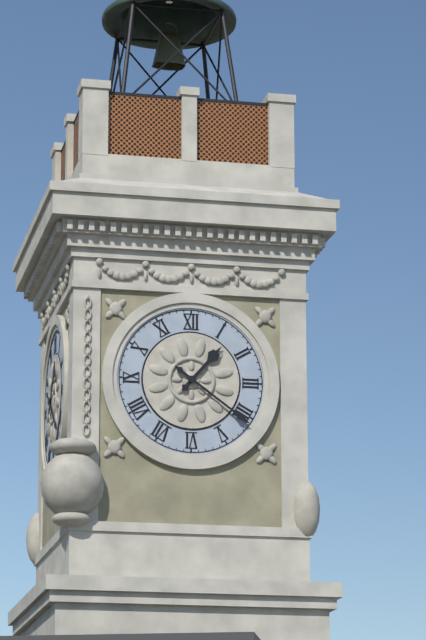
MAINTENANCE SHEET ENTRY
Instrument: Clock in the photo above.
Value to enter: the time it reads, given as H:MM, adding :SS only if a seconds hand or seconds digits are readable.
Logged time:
1:21
